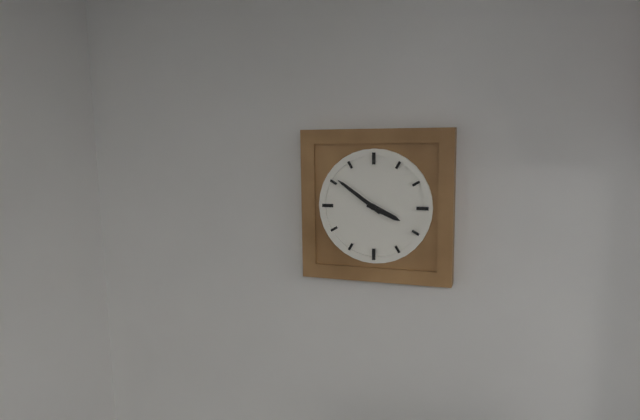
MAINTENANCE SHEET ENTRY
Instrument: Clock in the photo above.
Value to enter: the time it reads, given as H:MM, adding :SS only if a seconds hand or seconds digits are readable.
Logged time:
3:51
